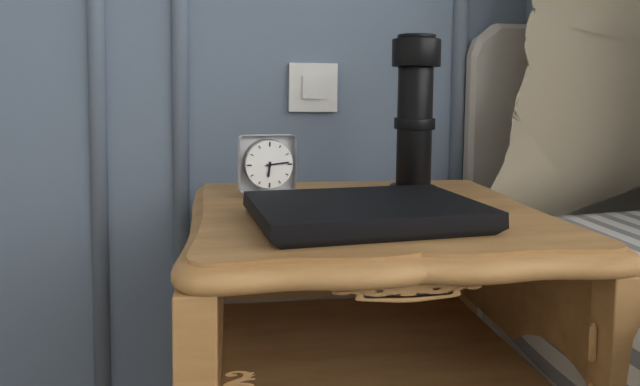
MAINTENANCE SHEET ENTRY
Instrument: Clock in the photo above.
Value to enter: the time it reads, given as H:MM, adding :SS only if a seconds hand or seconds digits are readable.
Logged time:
6:14
